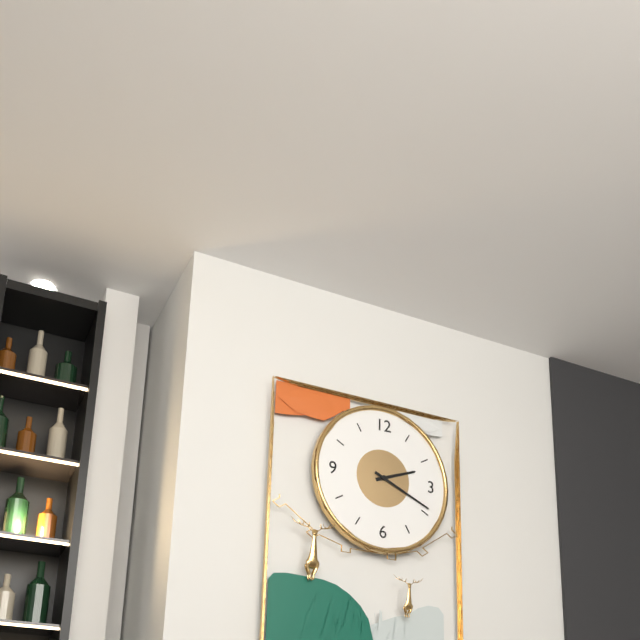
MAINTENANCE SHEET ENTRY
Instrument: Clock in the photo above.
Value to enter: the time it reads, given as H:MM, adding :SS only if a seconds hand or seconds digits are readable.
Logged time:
2:19
